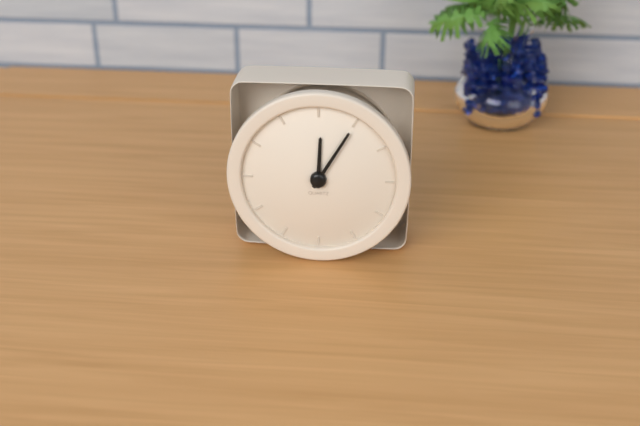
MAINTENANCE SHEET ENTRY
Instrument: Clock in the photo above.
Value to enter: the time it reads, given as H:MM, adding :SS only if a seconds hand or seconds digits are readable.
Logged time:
12:05
